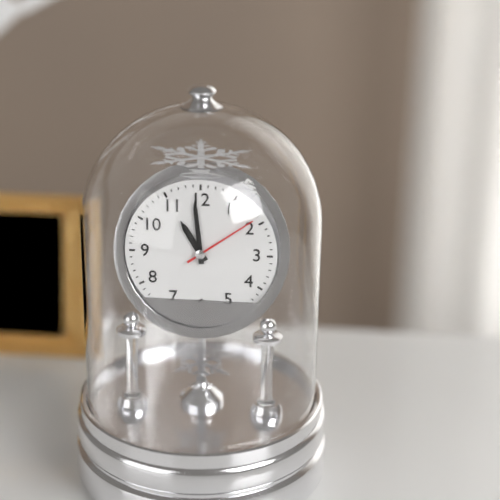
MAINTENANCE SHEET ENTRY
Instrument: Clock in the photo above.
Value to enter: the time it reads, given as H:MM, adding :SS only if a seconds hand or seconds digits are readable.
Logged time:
10:59:09
